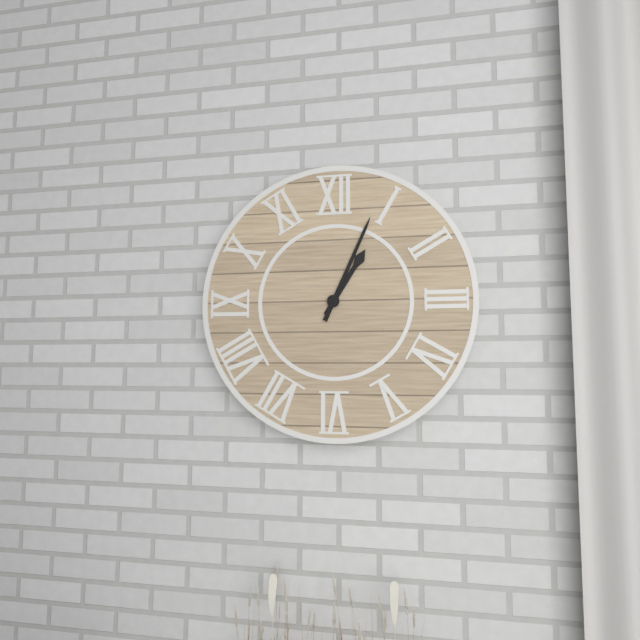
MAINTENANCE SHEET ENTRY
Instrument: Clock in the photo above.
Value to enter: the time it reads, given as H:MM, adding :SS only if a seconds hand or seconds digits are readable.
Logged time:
1:04
